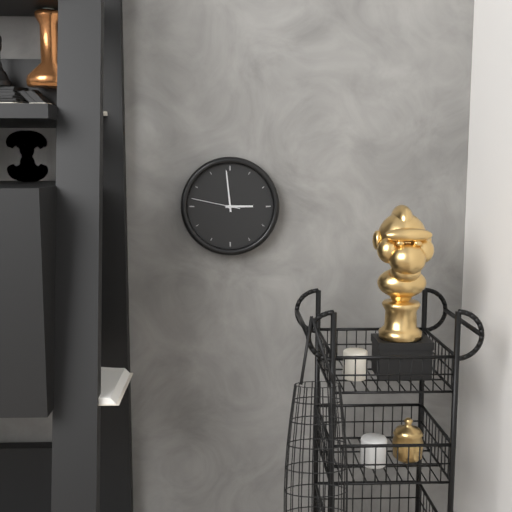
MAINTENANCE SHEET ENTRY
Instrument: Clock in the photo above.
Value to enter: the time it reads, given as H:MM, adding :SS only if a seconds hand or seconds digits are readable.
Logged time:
2:59
